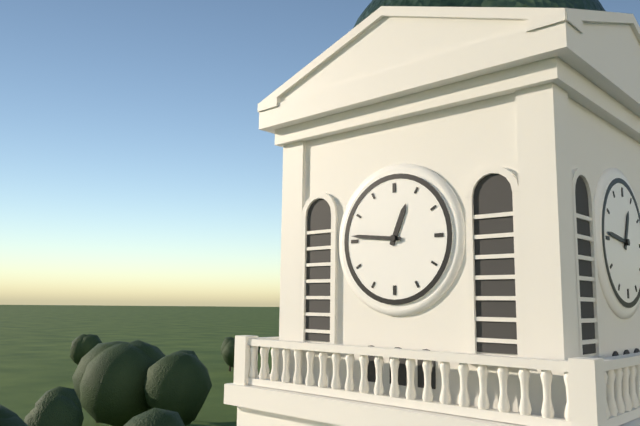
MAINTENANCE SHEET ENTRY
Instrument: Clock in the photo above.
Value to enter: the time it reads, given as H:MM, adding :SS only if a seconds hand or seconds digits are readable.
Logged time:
12:46
